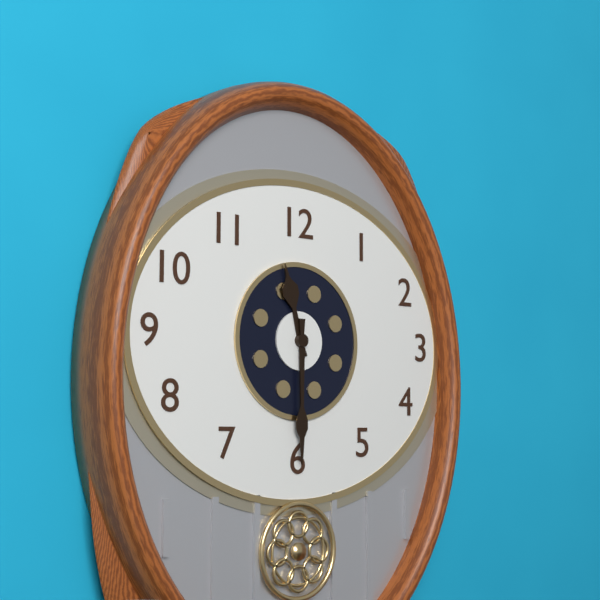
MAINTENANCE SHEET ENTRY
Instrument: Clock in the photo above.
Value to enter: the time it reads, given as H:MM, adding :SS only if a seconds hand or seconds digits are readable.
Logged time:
11:30
